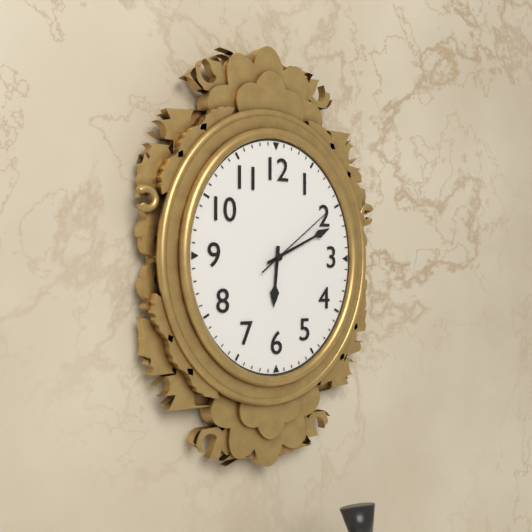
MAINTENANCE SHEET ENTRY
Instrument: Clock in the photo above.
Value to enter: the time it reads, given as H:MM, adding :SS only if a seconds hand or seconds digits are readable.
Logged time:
6:11:09
